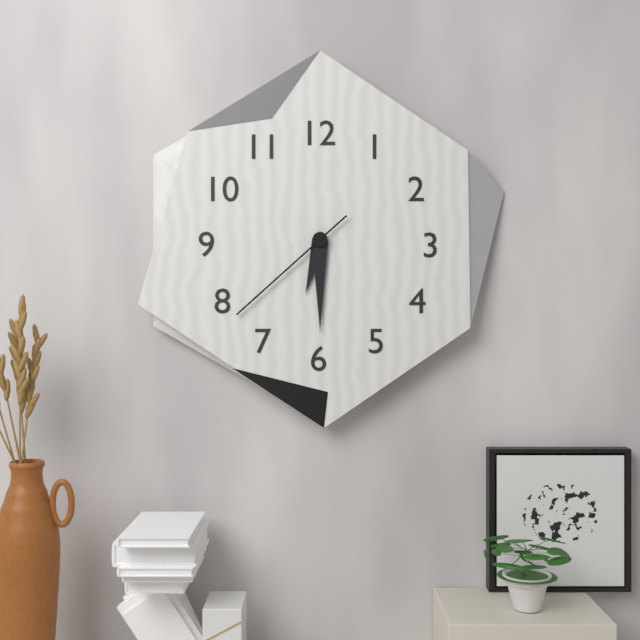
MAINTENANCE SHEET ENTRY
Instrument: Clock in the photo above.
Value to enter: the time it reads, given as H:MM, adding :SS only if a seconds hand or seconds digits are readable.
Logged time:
6:30:38
